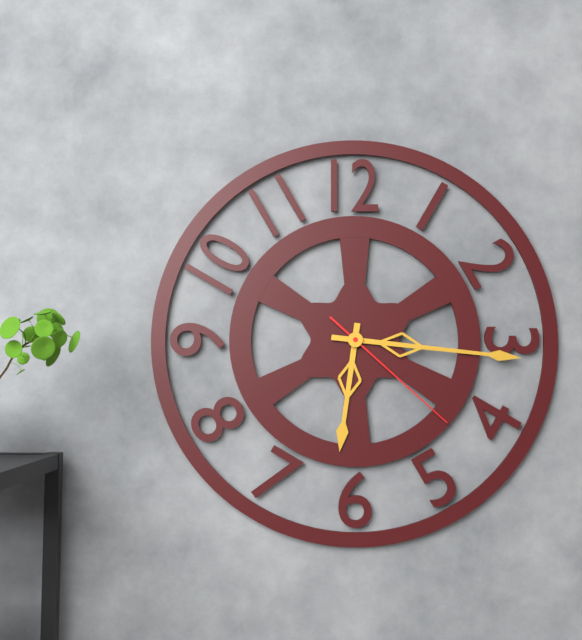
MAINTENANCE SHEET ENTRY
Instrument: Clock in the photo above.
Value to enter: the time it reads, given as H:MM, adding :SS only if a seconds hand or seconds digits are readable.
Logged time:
6:16:22
